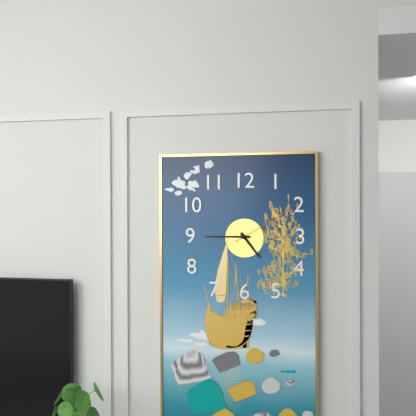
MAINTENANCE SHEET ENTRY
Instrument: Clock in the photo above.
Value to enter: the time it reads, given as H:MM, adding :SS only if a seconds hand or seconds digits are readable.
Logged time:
4:45:10
